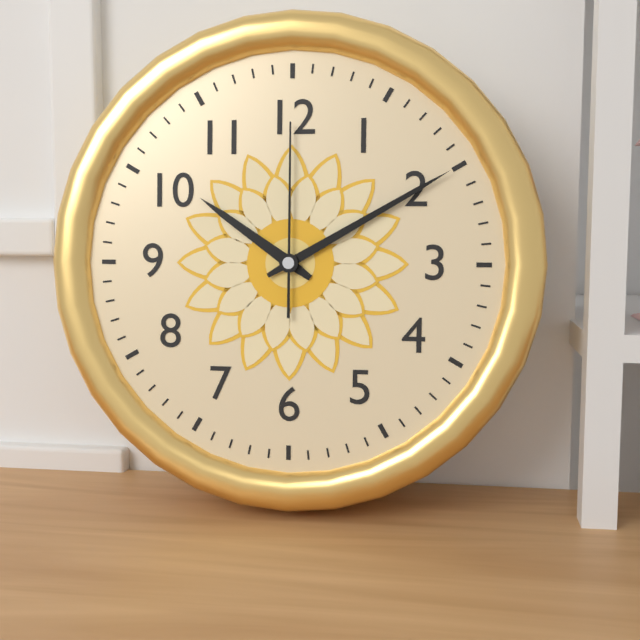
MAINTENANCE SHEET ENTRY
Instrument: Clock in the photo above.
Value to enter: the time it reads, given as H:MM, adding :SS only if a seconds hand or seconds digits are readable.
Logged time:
10:10:00
